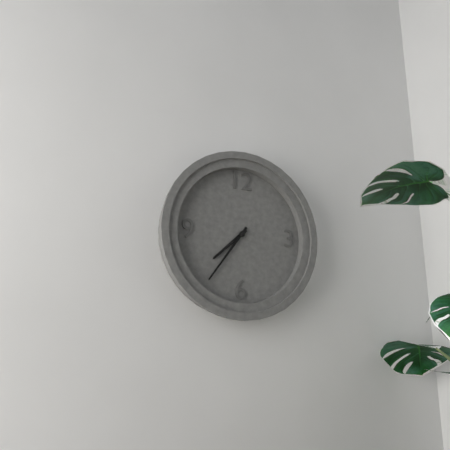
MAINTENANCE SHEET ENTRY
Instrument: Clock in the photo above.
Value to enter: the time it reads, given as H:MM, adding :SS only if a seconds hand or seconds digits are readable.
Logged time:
7:36
